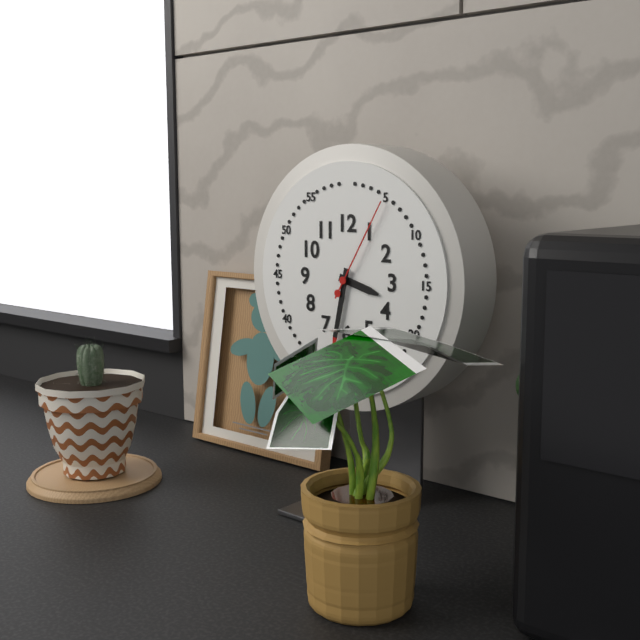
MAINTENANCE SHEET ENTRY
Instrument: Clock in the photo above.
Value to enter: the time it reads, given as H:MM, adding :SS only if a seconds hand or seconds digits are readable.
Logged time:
3:32:05
